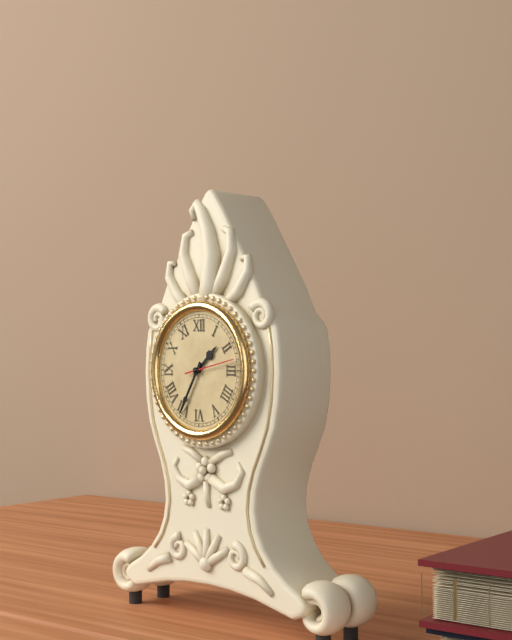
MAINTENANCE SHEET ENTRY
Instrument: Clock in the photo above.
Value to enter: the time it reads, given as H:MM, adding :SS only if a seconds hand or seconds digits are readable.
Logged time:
1:35:13
